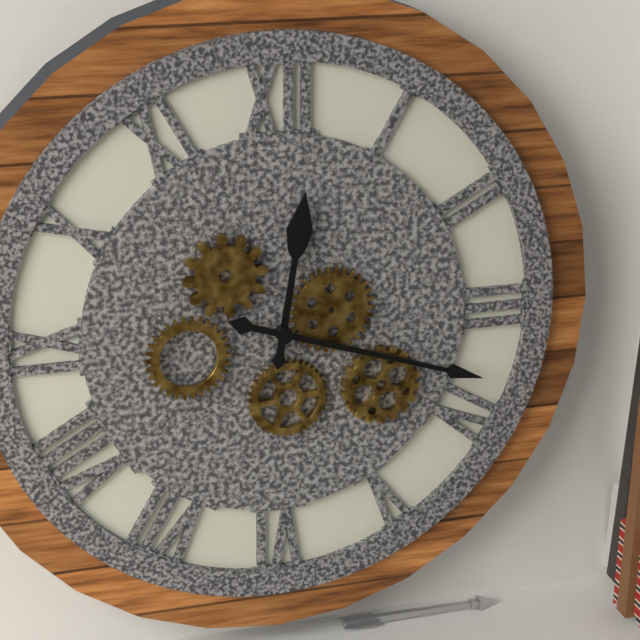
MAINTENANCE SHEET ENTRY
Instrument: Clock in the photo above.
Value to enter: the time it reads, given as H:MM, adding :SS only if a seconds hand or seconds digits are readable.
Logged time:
12:18
